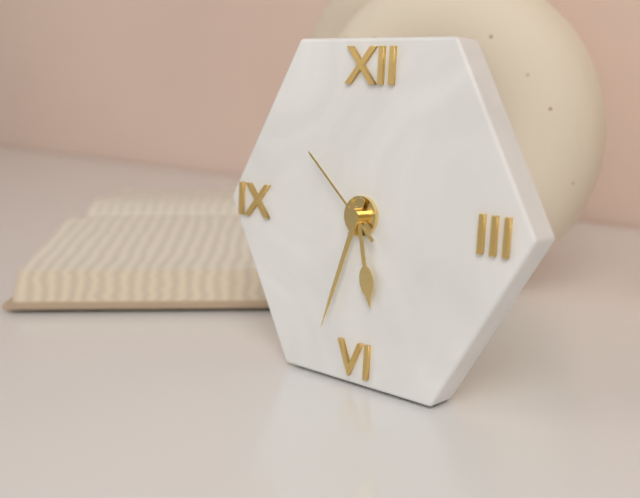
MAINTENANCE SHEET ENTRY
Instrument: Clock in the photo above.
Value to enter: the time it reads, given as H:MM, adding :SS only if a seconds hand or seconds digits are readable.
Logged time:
5:33:52
